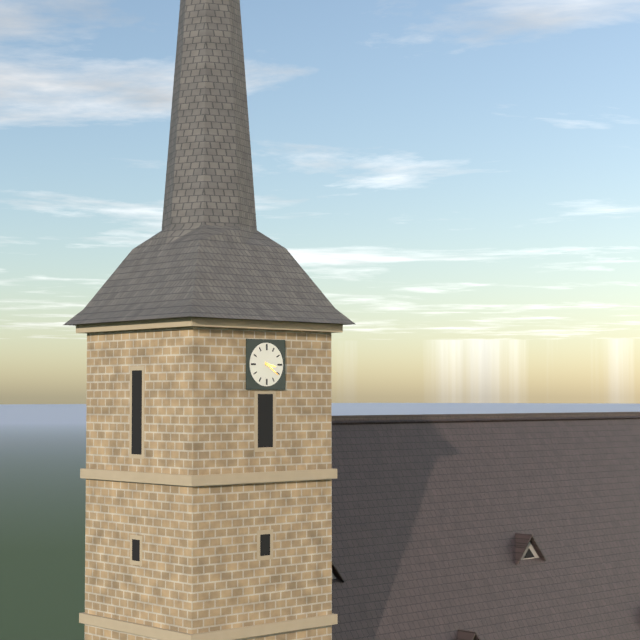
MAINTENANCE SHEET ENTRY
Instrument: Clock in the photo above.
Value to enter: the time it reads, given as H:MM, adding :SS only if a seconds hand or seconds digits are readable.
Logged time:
3:21
